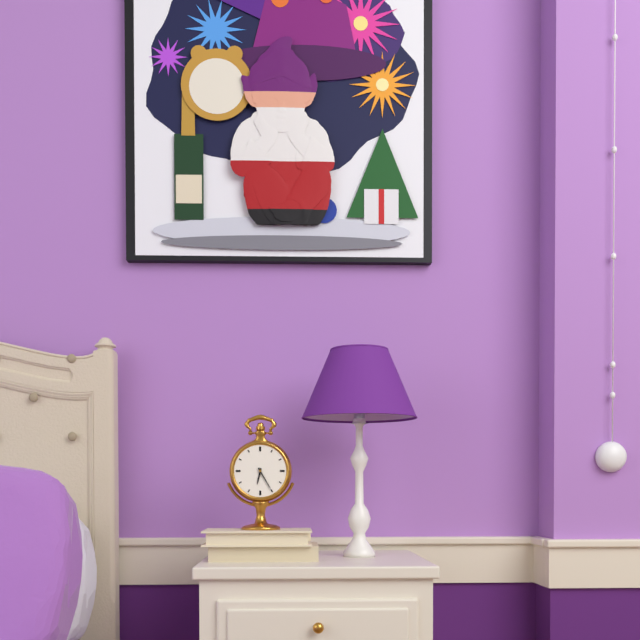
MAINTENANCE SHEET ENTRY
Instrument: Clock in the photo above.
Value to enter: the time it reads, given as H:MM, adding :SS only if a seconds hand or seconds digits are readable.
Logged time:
6:25
